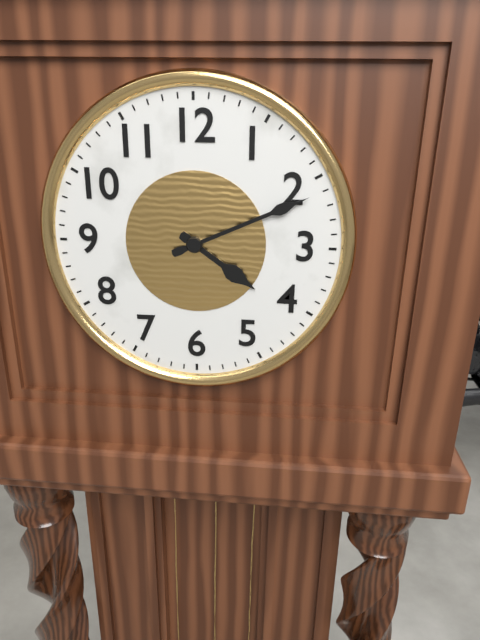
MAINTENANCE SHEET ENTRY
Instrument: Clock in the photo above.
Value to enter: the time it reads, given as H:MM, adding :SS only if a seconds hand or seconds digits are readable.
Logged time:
4:11
